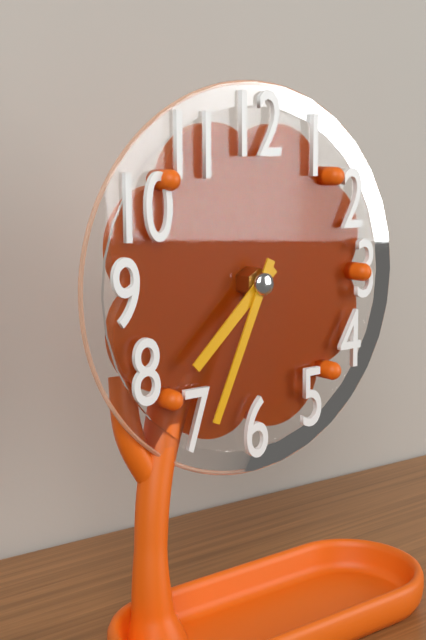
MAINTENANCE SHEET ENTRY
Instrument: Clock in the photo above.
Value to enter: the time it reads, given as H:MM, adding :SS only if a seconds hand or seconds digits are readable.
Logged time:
7:34
